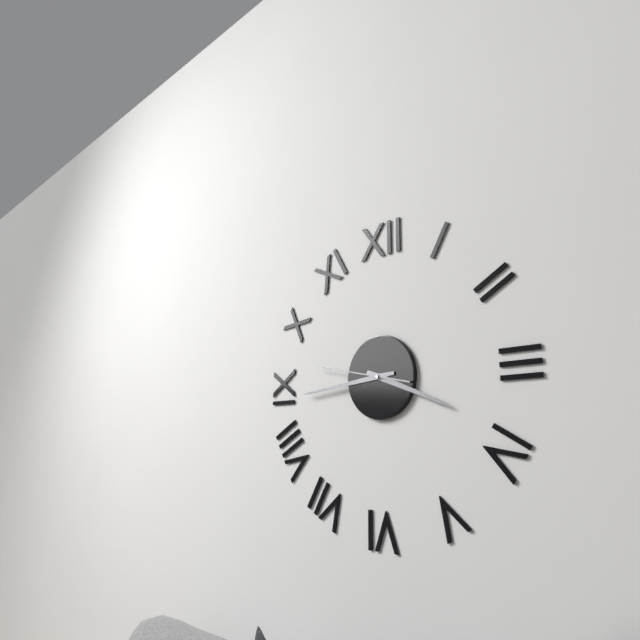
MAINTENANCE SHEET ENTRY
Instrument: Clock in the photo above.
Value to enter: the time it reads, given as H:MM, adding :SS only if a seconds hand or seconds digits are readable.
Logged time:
3:44:47
